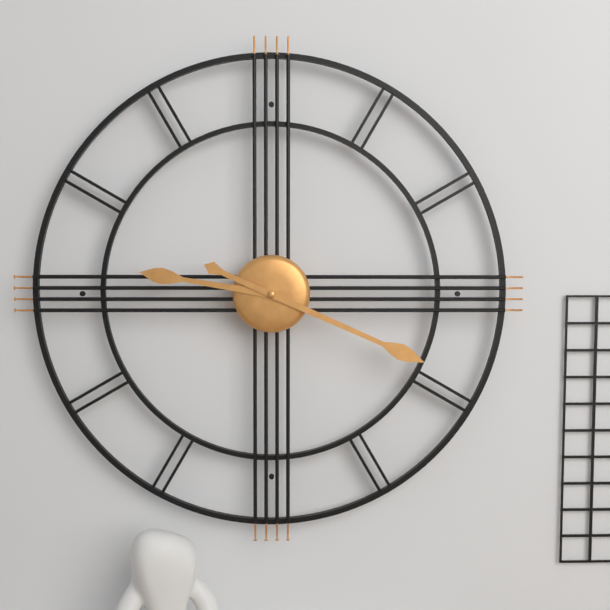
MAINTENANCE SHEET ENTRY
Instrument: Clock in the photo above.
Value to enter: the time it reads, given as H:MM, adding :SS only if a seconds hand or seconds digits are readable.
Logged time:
9:19
